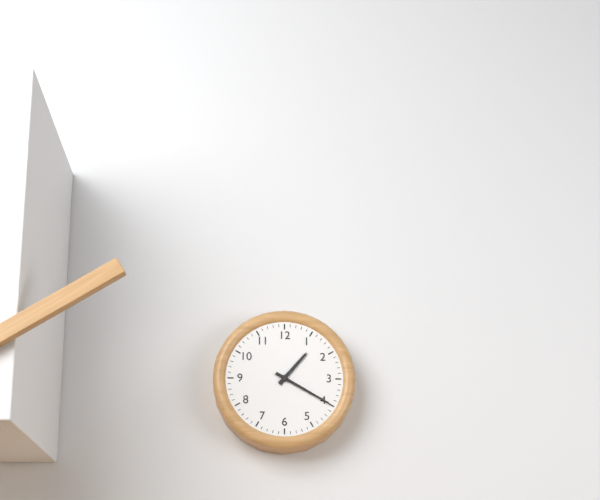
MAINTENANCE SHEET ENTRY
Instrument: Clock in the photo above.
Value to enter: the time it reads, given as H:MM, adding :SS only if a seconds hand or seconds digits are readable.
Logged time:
1:20
